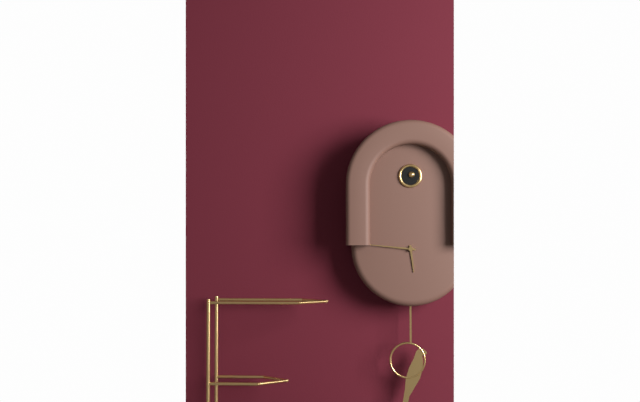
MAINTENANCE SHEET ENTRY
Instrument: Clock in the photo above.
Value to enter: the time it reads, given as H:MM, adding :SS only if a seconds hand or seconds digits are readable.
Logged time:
5:46
